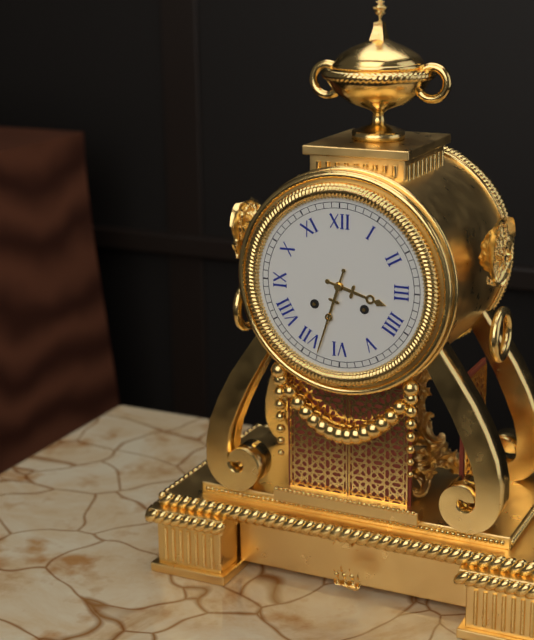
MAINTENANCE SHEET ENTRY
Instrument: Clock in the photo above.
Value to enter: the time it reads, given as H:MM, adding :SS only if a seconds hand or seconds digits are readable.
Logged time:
3:33
